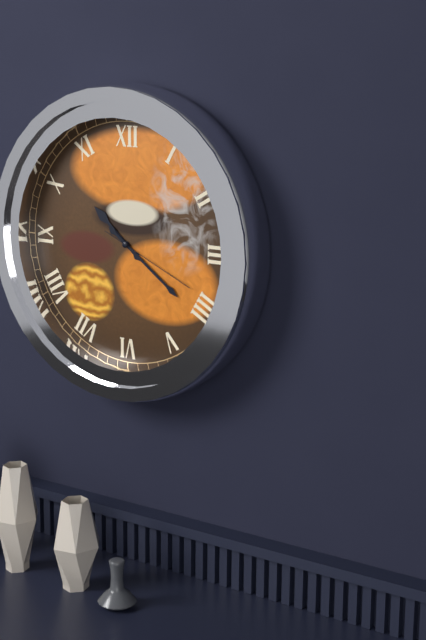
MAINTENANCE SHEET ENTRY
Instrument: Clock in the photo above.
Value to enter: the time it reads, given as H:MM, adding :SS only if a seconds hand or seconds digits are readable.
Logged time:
10:21:19
